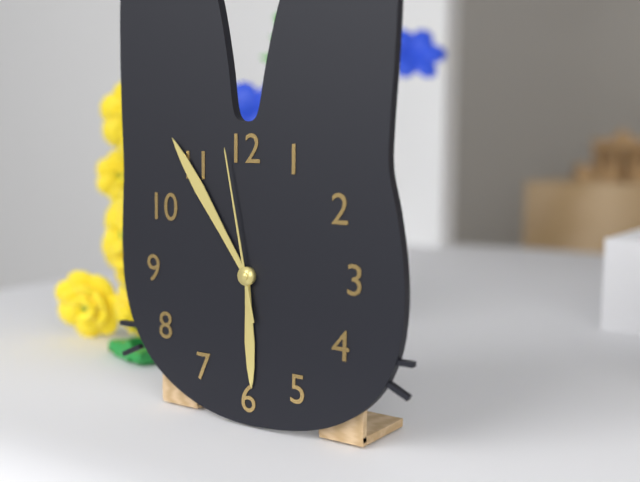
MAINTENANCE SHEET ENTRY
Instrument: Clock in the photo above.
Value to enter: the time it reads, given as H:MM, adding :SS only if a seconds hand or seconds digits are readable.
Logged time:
5:54:58
